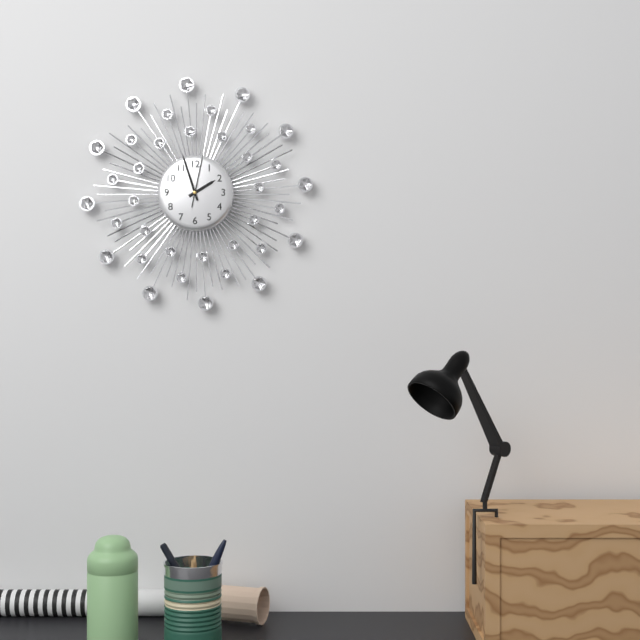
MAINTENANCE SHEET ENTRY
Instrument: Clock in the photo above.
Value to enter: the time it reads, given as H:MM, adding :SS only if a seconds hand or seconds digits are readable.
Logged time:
1:57:02
